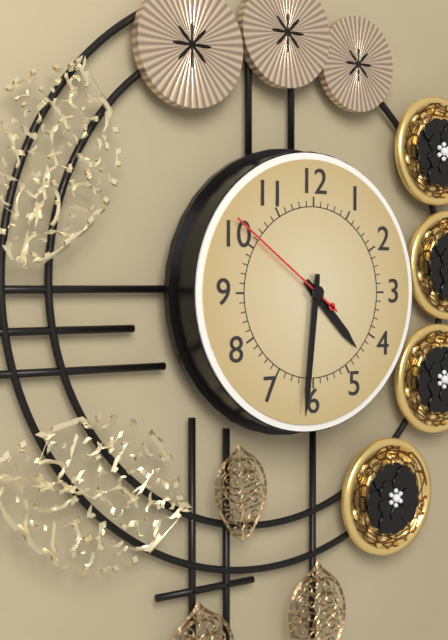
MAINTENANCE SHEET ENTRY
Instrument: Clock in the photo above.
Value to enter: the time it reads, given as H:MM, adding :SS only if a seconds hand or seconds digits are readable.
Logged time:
4:31:51
